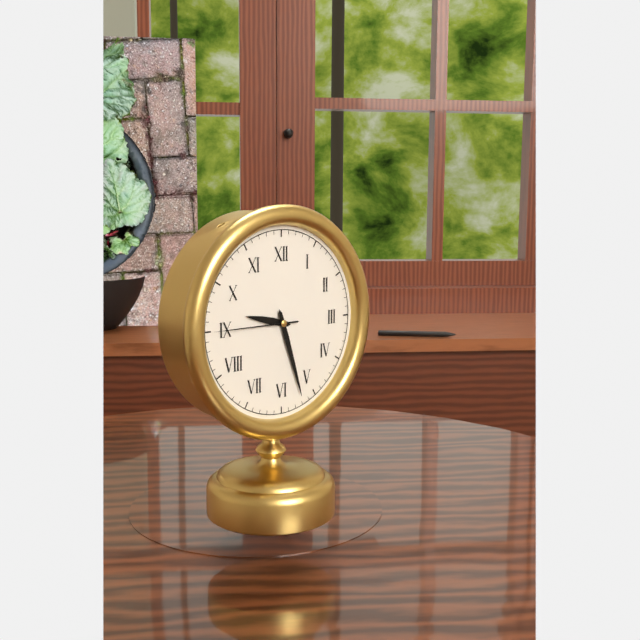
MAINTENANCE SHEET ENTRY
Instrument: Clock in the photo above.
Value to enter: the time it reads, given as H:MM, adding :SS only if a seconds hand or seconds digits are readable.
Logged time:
9:27:45
